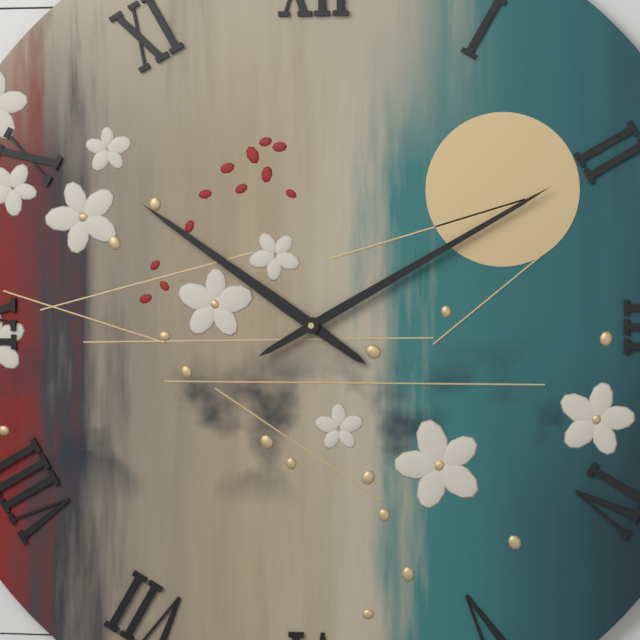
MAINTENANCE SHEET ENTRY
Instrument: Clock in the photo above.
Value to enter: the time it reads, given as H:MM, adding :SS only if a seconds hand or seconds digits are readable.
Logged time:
10:10
